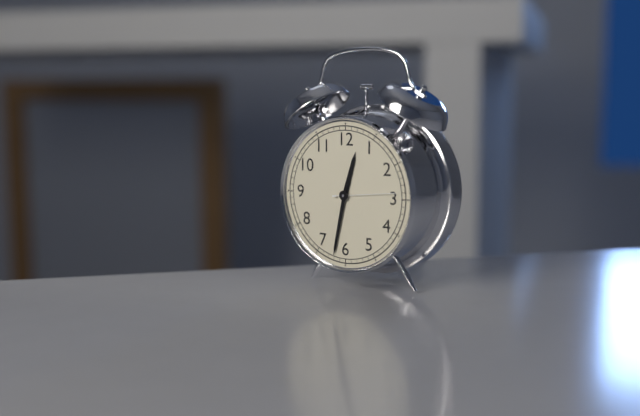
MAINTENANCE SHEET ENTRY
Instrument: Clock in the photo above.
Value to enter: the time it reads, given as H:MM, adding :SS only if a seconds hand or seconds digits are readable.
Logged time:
12:32:14
